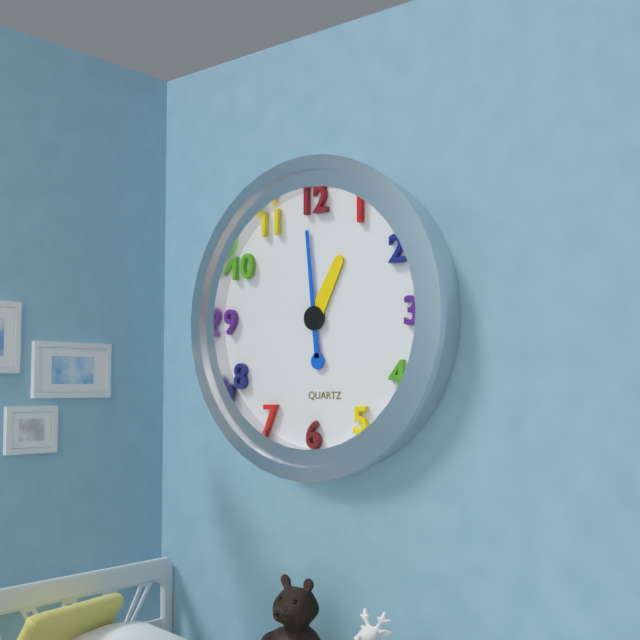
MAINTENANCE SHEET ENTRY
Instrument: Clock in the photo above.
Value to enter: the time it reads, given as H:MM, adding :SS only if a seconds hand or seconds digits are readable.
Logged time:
12:59
